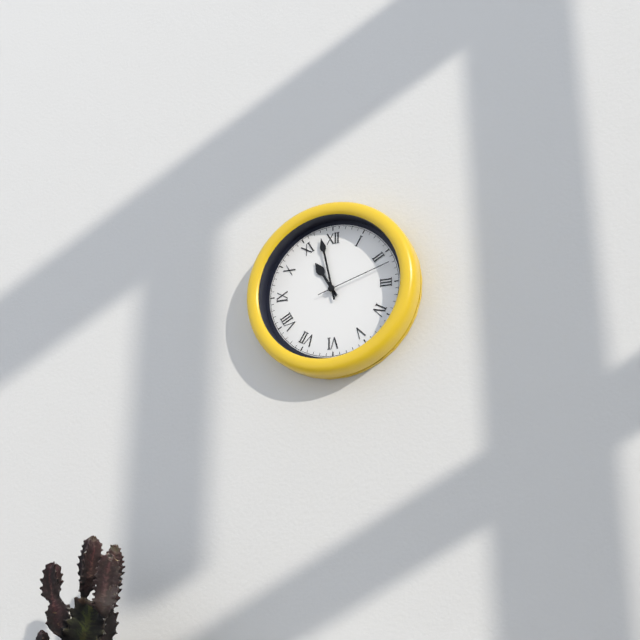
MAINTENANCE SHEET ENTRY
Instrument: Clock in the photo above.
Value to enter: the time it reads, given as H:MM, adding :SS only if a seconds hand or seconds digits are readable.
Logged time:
10:58:12
